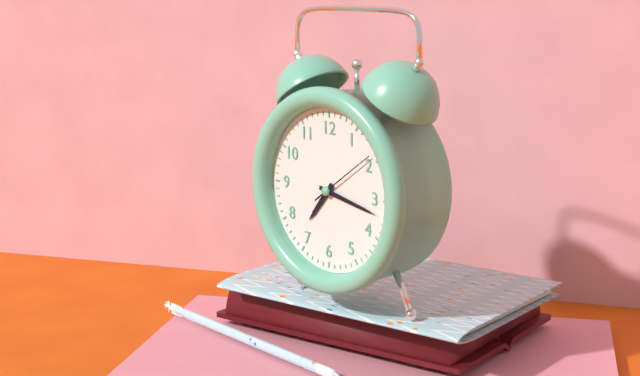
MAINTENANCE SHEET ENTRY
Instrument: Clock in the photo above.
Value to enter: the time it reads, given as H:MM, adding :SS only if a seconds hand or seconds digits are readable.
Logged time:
7:17:09
